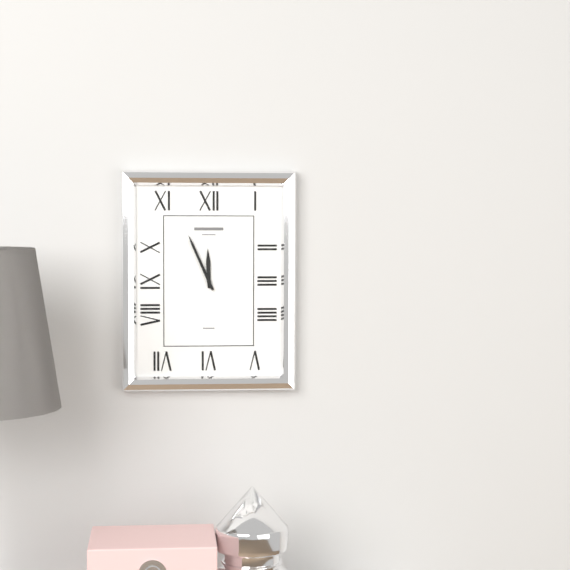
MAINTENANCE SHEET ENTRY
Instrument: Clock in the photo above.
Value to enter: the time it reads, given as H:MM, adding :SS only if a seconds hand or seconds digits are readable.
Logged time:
11:56
